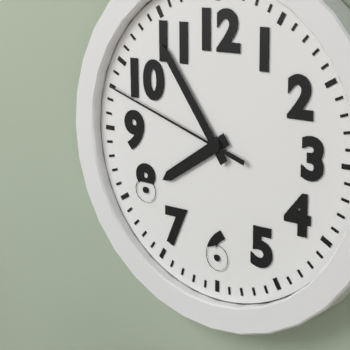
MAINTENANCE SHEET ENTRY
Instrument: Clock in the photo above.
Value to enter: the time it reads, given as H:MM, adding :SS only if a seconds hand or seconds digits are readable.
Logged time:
7:54:48
